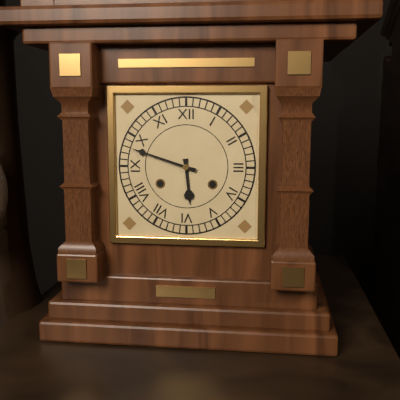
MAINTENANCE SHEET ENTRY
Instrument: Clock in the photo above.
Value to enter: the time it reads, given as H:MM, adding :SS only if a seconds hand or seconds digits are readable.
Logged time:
5:48
